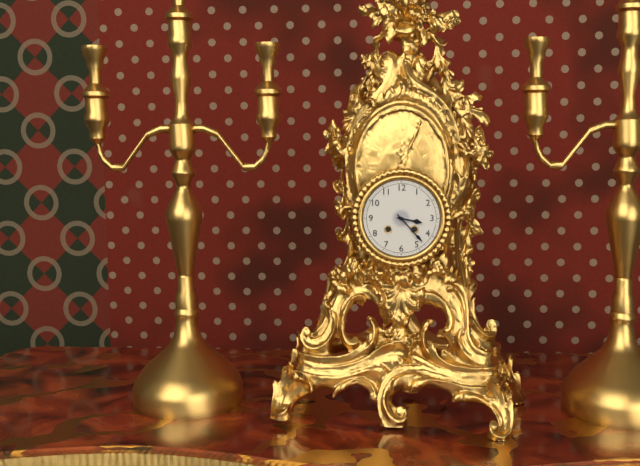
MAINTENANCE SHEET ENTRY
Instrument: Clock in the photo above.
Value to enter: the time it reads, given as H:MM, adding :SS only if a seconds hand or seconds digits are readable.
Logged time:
3:23
